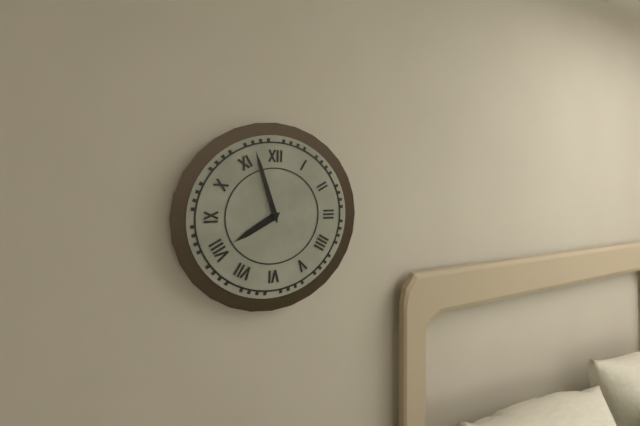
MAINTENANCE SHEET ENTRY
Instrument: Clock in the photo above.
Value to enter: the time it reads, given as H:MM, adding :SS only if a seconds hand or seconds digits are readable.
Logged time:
7:57
